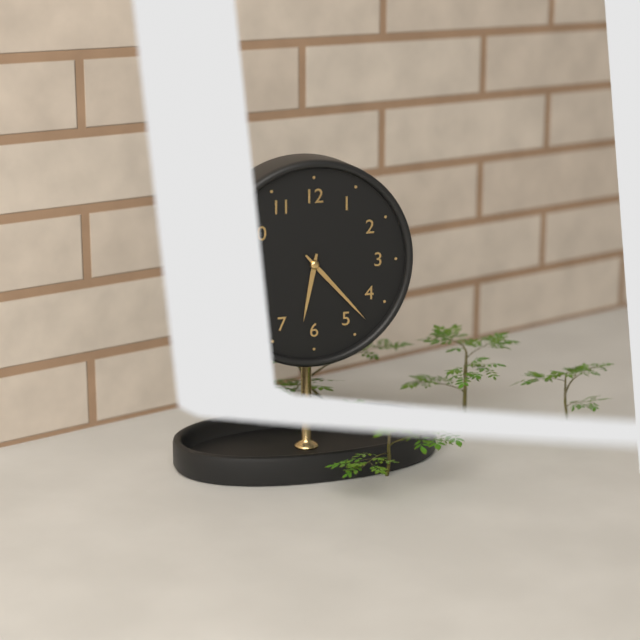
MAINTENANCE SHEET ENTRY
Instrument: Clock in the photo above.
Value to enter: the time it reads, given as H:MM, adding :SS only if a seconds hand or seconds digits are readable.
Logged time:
6:23
